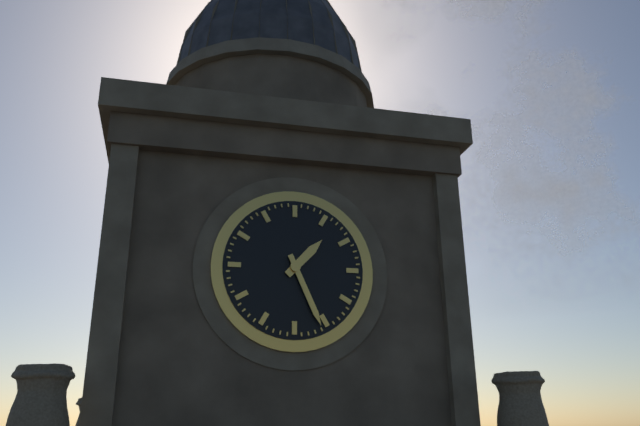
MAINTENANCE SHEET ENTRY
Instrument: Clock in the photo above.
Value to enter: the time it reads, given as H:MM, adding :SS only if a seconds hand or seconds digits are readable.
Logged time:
1:26
